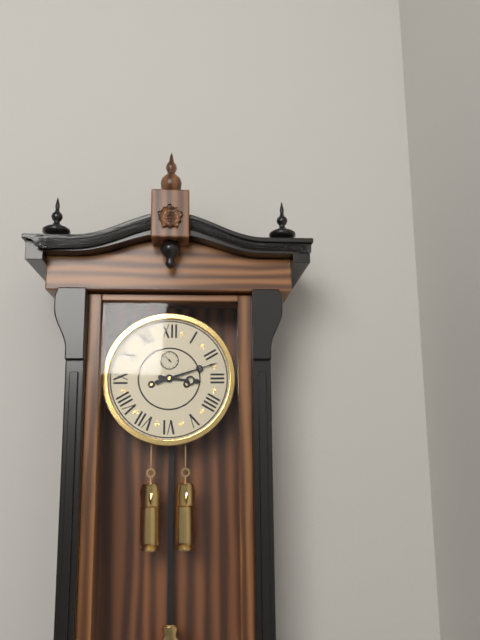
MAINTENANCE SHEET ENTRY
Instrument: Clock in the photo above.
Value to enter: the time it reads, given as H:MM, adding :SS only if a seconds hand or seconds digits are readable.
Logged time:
3:12
